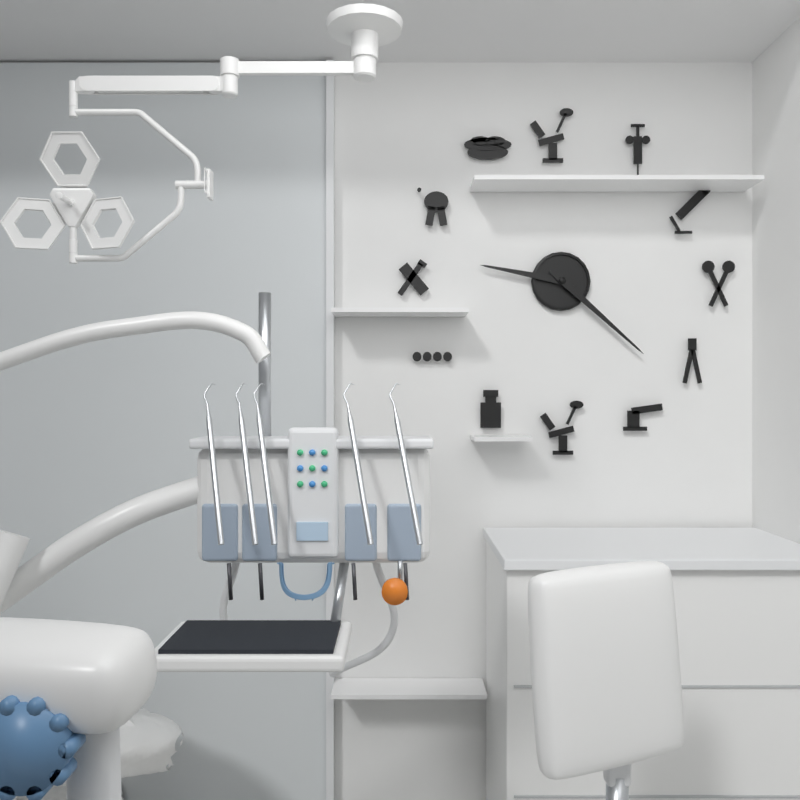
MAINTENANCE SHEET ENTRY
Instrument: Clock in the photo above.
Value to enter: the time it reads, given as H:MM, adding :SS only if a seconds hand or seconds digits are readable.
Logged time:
9:22
